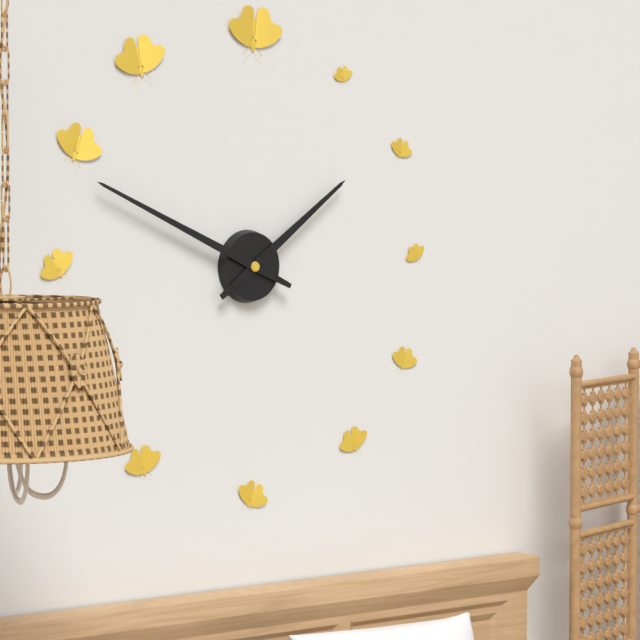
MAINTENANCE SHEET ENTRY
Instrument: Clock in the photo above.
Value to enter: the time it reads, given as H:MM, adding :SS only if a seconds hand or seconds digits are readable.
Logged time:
1:49
